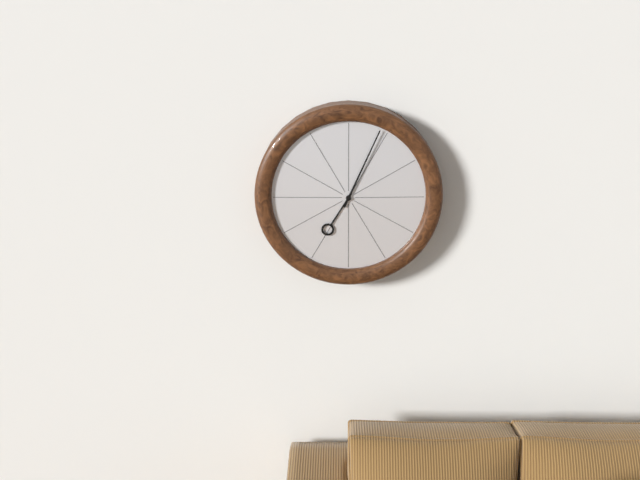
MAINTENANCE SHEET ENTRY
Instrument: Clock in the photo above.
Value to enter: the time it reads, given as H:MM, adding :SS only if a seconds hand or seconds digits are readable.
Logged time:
7:04
